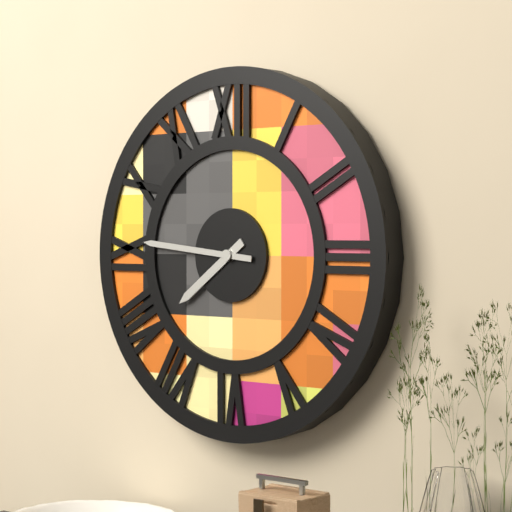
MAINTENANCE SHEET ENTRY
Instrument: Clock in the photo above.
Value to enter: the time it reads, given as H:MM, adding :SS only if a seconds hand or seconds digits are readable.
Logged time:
7:46
